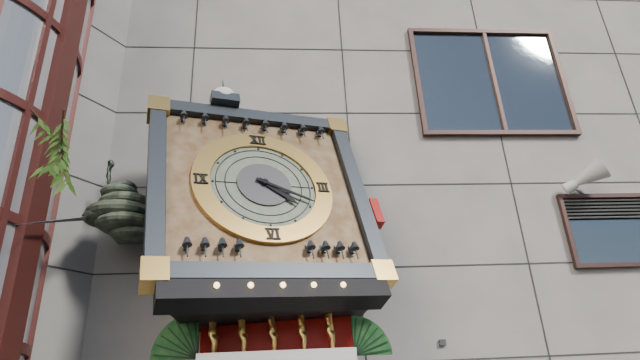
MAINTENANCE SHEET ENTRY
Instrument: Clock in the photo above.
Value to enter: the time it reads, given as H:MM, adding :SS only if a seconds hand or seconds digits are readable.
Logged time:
4:19
